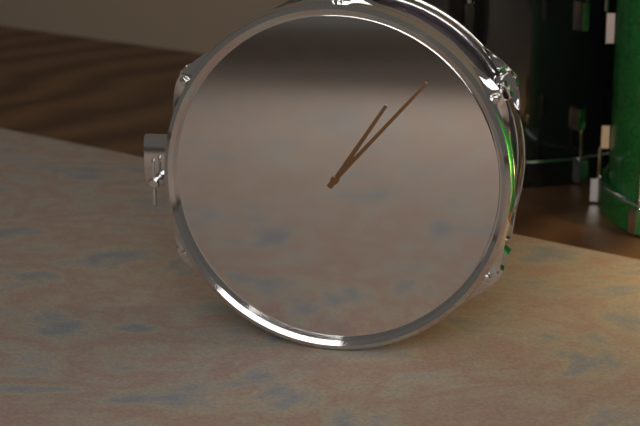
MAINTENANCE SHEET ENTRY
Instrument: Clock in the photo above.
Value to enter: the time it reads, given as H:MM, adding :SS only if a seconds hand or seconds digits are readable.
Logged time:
1:07
